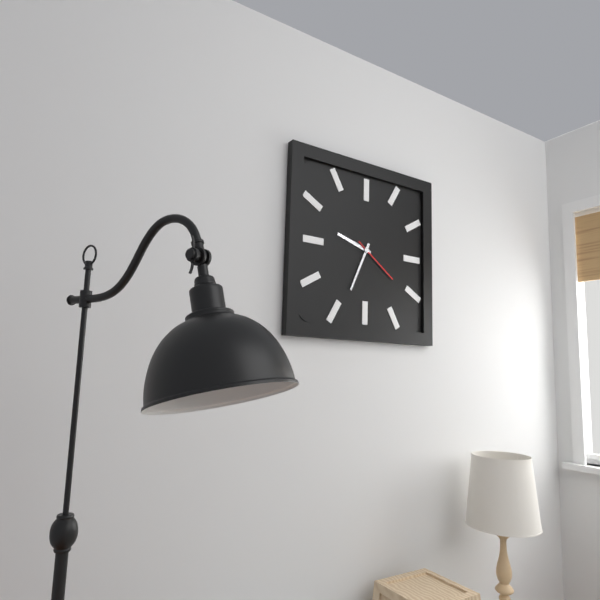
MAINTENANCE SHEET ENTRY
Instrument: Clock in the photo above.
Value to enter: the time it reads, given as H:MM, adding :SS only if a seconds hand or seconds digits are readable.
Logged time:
9:34:21
